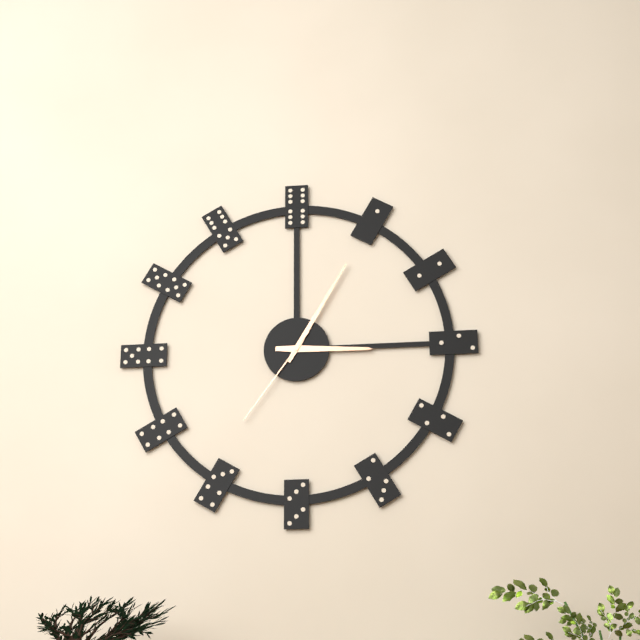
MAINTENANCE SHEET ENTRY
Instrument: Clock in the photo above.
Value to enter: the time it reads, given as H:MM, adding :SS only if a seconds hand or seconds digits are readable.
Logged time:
3:05:36
